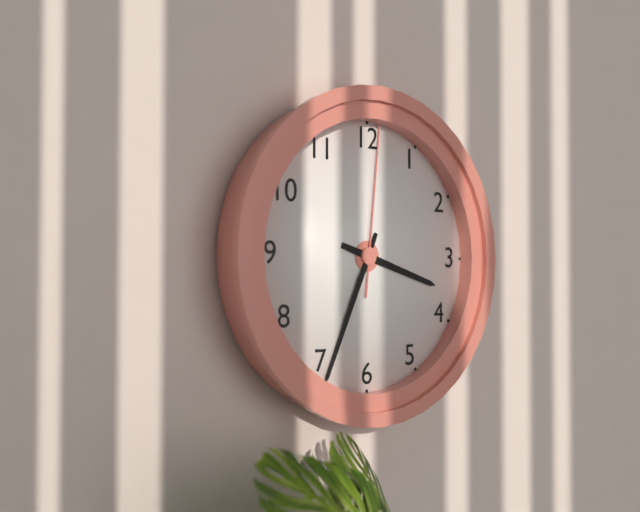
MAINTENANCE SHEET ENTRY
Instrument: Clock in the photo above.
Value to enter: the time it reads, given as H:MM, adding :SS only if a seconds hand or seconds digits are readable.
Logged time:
3:34:01
